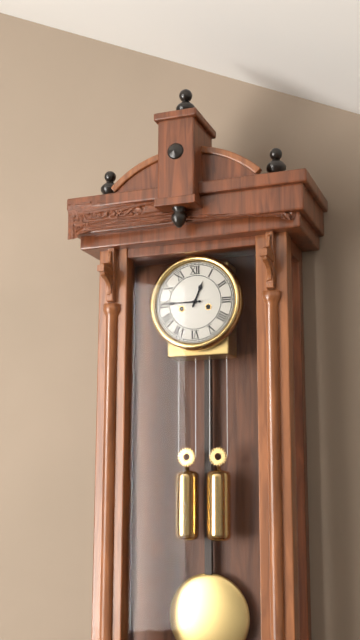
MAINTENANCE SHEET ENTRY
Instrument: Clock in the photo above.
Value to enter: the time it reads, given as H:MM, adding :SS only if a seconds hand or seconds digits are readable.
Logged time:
12:45
